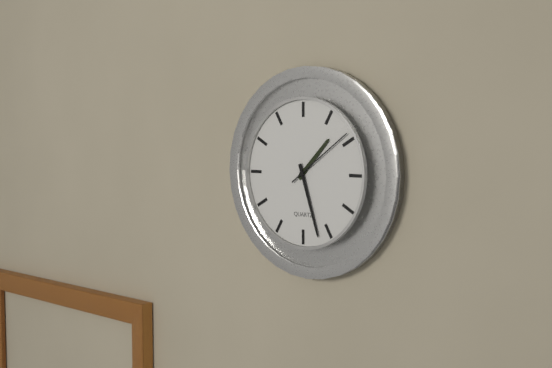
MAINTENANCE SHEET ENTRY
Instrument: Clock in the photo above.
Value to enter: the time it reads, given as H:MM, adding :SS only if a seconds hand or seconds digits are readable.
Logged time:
1:27:09
